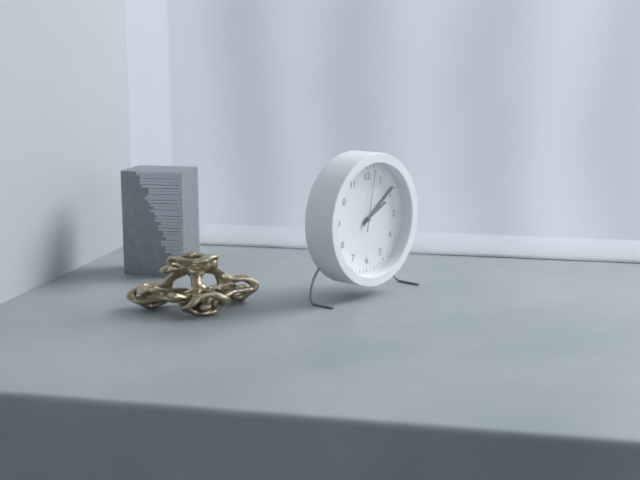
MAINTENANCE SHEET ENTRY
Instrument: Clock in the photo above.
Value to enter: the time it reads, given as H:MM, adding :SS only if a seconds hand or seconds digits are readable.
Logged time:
2:09:02
